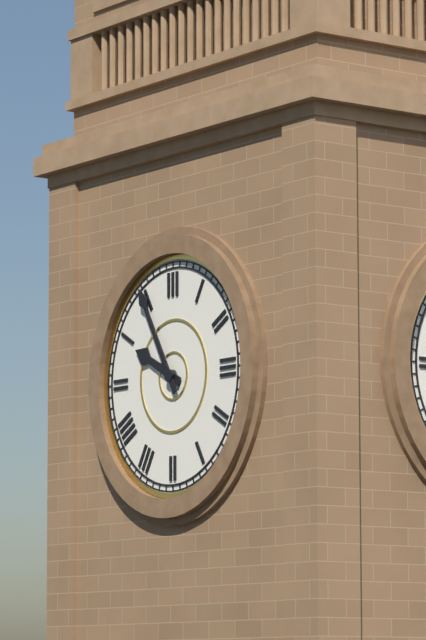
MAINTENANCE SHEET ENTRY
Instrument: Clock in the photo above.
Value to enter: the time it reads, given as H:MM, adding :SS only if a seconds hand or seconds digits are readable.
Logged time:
9:55
